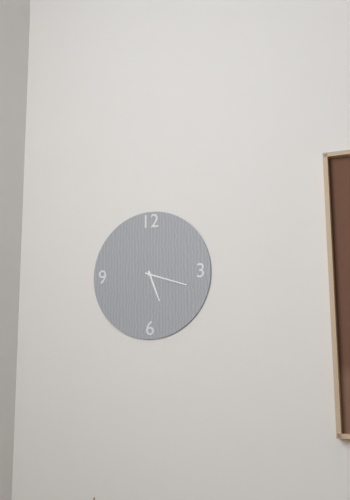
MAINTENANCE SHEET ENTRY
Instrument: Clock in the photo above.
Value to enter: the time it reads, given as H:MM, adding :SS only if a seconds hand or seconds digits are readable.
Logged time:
5:18
